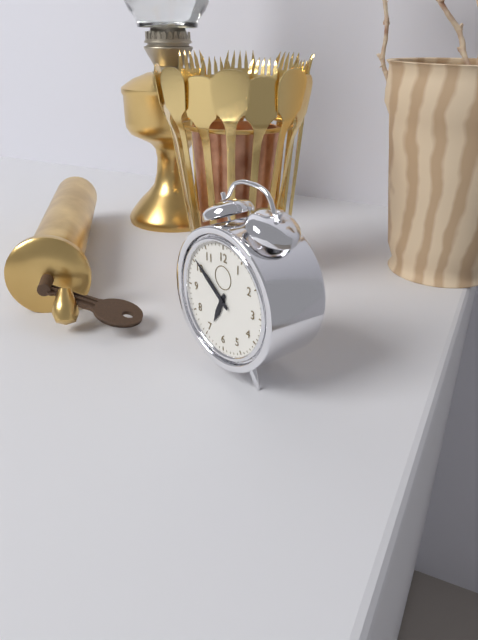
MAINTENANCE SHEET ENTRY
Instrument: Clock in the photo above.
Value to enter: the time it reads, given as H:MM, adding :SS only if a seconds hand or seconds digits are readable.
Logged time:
6:51
